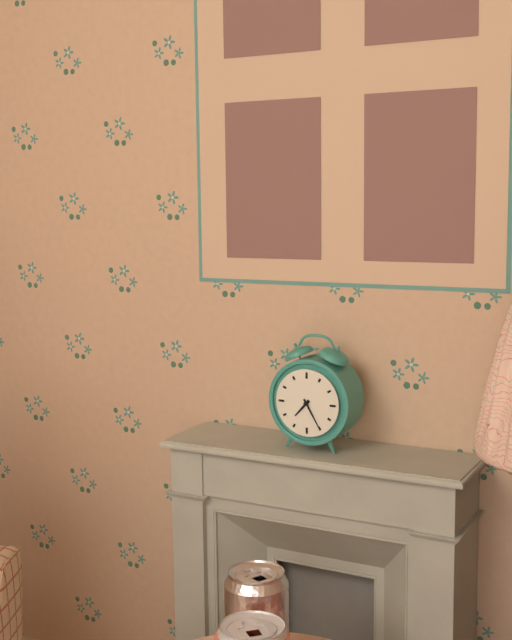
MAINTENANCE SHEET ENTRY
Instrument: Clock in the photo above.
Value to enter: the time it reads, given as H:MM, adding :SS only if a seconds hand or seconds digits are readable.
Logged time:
7:25
